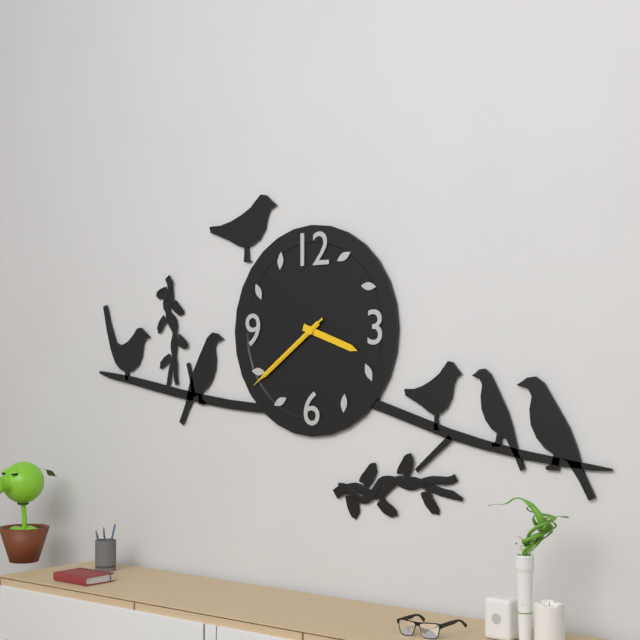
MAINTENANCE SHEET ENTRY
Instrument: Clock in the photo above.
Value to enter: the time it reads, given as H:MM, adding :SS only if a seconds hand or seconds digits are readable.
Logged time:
3:39:39
